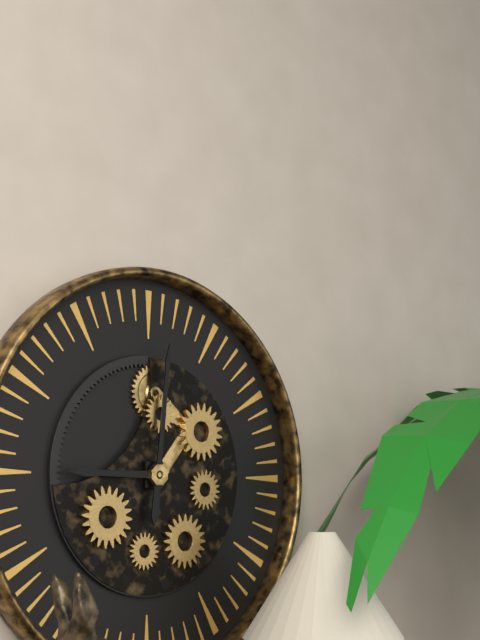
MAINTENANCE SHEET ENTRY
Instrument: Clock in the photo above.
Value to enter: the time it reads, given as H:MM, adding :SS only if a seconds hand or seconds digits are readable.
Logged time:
9:01
